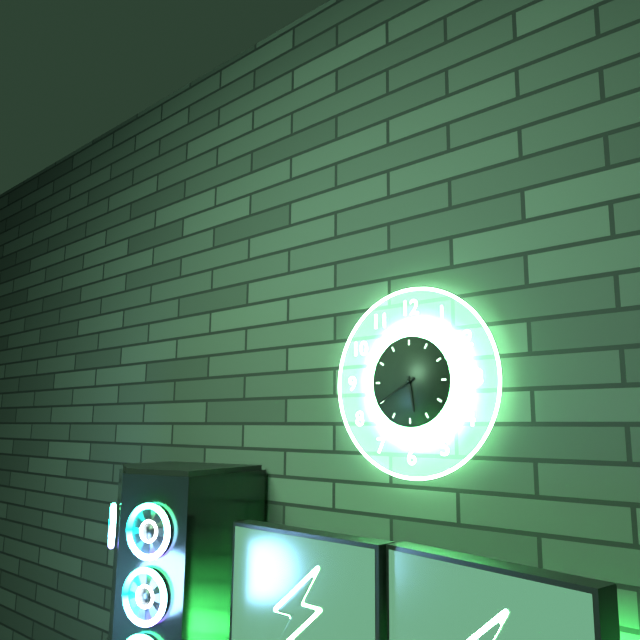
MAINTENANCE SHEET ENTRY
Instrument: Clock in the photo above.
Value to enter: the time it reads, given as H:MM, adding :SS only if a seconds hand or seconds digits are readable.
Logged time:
5:40
